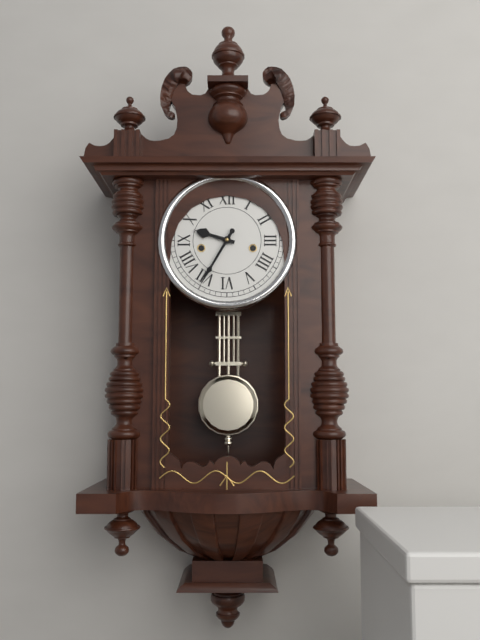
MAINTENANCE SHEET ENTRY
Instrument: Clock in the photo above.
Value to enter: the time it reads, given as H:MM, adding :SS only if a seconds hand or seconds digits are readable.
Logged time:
9:35
